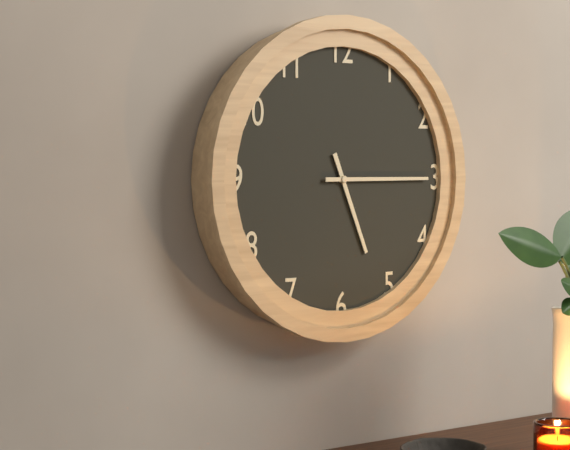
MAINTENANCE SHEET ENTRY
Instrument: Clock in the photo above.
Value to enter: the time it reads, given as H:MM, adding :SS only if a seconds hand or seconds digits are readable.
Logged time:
5:15
